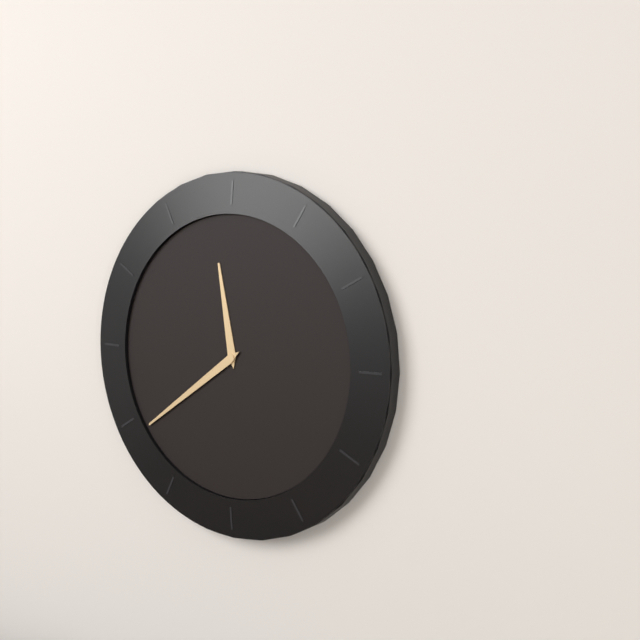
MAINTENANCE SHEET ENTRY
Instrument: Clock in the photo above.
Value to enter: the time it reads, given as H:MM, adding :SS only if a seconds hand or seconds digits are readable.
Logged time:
11:39
